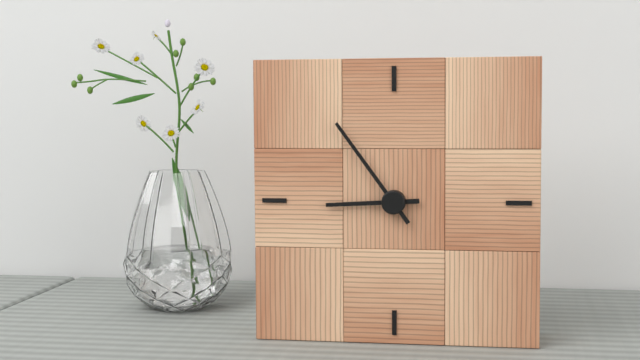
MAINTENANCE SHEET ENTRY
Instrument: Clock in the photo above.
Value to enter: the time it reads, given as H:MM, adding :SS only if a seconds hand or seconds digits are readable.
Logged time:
8:54
